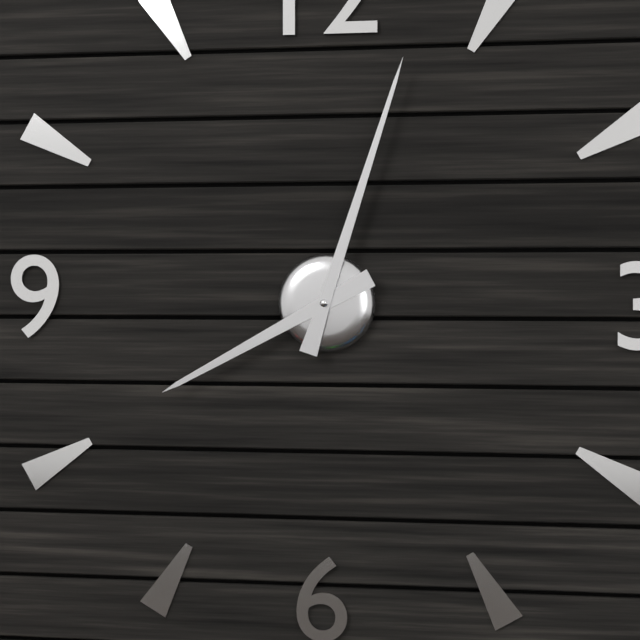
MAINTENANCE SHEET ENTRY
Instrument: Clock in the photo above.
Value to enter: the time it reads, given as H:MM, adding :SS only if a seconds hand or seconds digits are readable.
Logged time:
8:03
